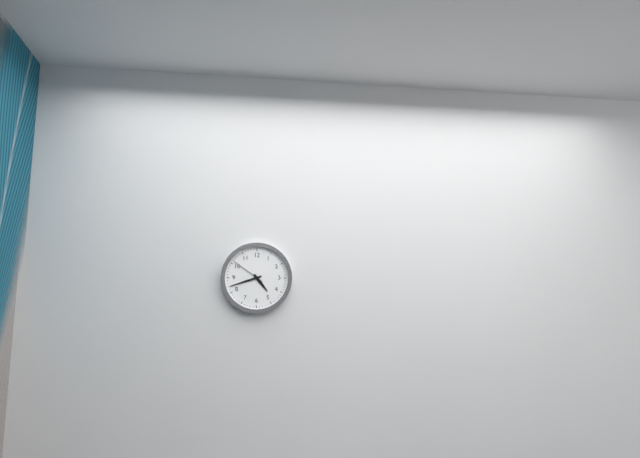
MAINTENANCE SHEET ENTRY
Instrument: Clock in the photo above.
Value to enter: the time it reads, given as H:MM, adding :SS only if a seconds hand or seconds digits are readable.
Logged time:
4:42
